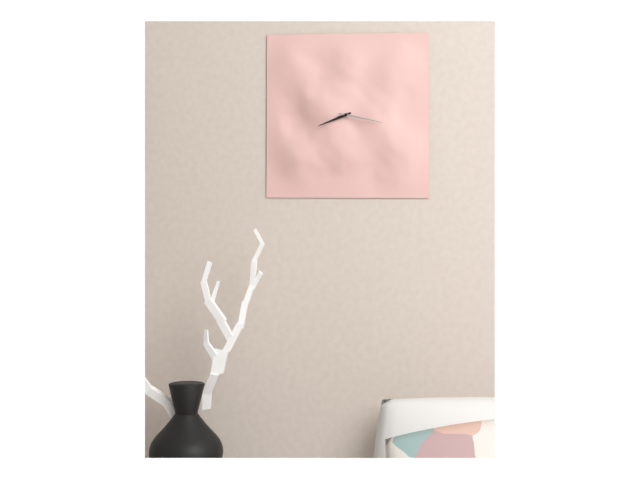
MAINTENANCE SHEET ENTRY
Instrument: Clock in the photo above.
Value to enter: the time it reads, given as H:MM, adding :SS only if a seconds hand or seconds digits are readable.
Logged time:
8:17
